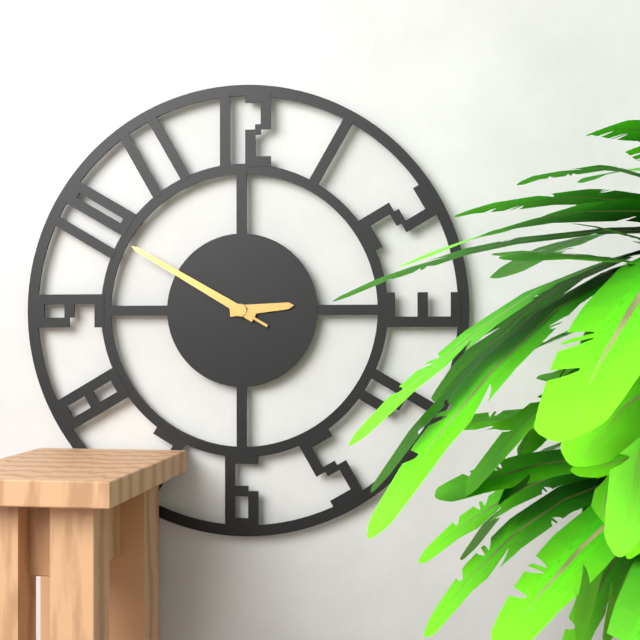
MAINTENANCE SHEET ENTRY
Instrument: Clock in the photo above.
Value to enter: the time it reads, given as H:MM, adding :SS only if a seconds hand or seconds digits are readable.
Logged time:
2:50:50
